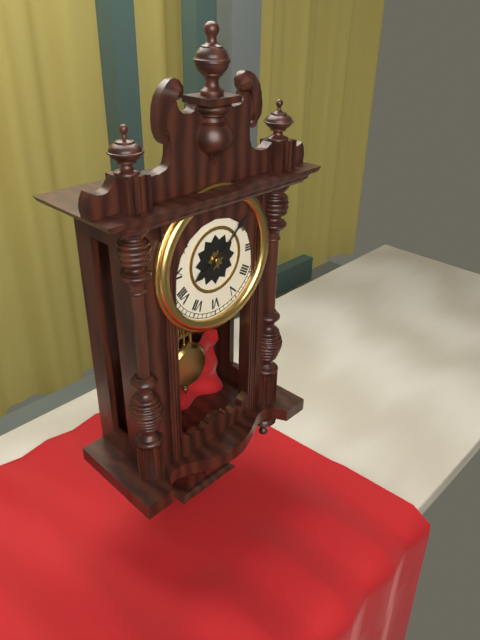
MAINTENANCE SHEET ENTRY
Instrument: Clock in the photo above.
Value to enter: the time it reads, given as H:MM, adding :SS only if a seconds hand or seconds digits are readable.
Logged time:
8:08
